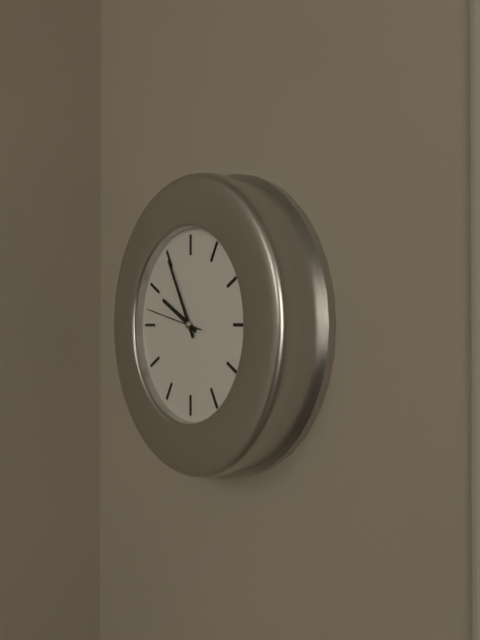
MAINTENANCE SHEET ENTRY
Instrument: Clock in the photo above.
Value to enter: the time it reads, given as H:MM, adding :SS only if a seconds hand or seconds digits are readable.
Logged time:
9:55:47
